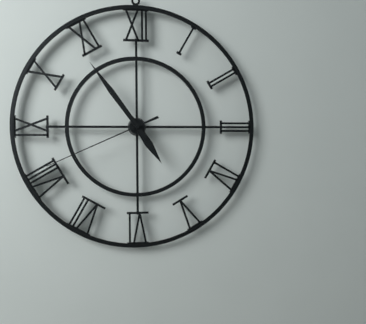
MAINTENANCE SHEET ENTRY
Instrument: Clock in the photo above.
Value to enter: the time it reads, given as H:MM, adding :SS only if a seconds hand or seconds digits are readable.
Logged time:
4:54:41
